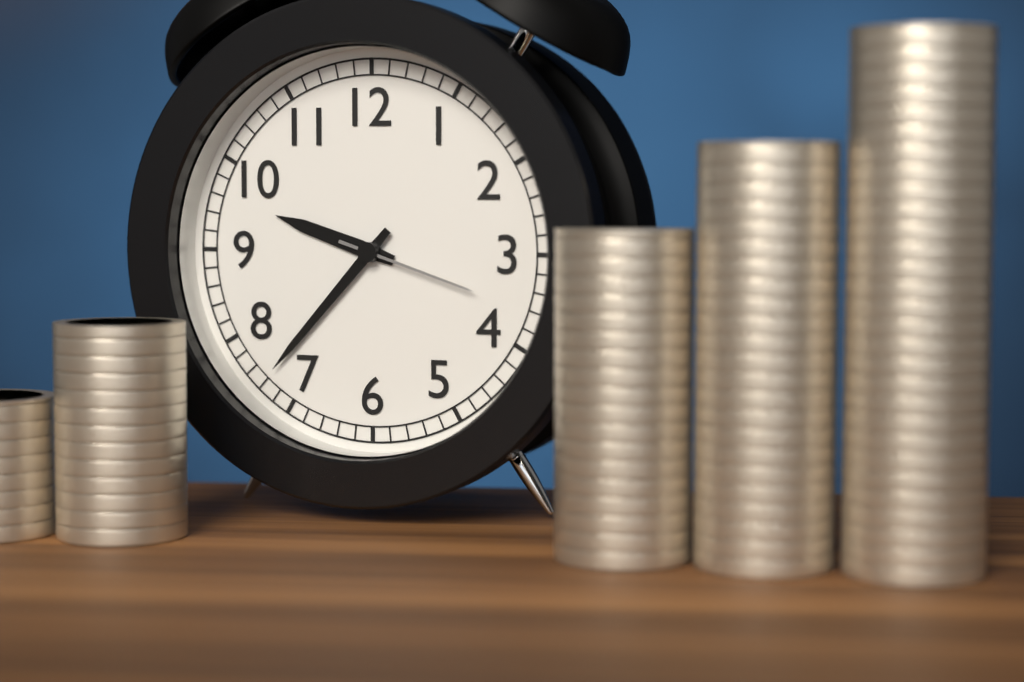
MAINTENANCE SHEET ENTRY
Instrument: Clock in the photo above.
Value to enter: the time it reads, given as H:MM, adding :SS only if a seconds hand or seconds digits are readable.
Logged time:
9:37:18
